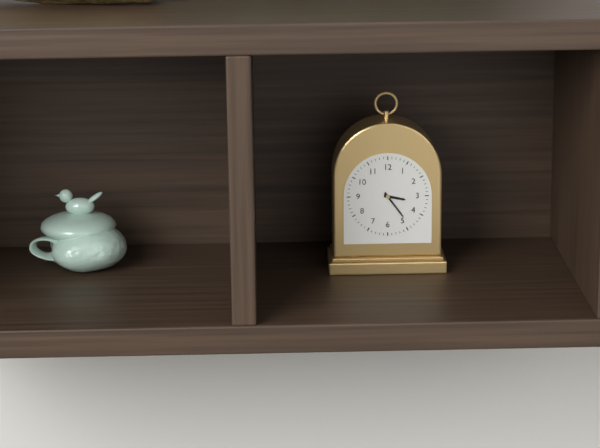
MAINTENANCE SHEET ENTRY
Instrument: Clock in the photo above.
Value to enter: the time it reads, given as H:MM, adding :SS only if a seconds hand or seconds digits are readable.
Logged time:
3:24
